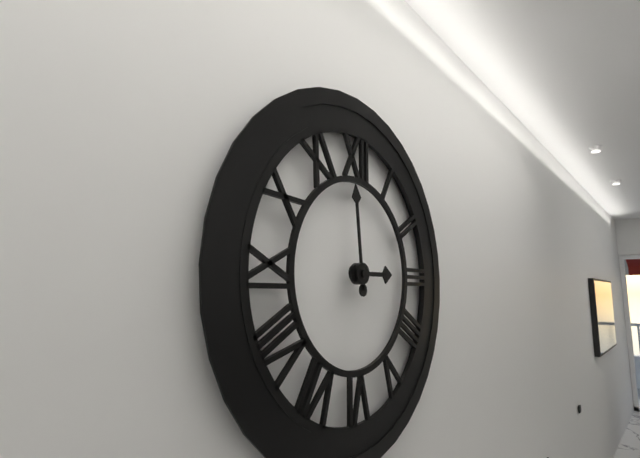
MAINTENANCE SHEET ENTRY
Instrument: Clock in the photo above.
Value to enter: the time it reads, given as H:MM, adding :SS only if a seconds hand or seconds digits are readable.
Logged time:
2:59
